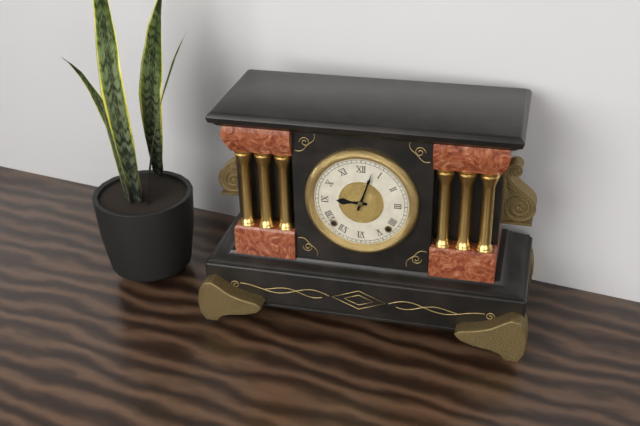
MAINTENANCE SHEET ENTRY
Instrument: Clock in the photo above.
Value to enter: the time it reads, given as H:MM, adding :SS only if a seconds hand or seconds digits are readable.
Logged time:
9:03
